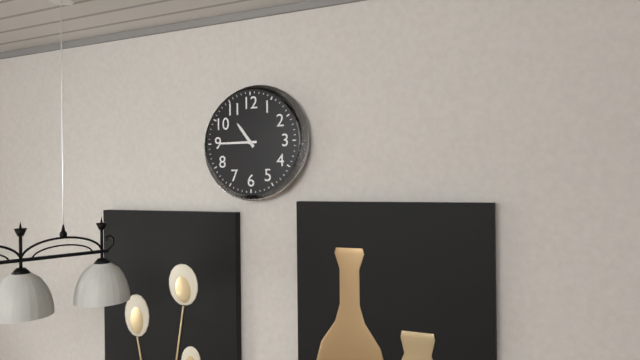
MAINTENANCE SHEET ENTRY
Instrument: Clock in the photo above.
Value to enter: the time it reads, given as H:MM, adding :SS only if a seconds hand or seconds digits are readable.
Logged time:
10:45
